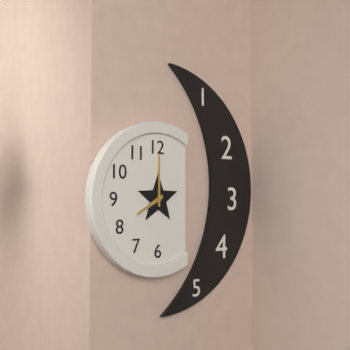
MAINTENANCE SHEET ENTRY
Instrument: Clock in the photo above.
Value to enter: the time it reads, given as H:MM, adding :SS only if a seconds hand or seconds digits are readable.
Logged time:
8:00
